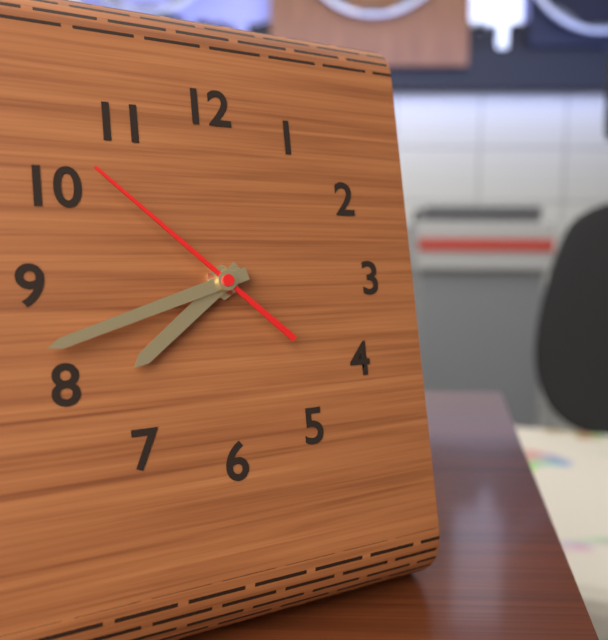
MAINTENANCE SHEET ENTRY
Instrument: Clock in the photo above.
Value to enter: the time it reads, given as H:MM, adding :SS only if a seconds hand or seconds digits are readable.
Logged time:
7:42:52
